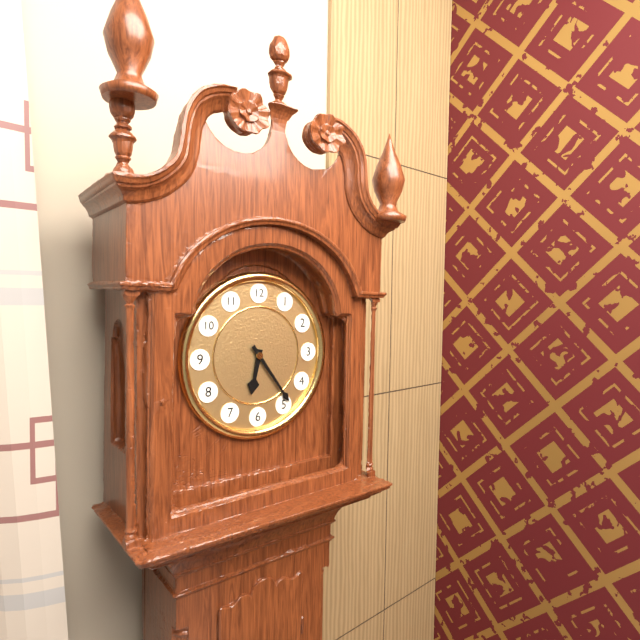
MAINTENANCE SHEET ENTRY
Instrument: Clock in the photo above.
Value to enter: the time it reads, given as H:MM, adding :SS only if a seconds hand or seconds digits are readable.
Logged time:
6:24
